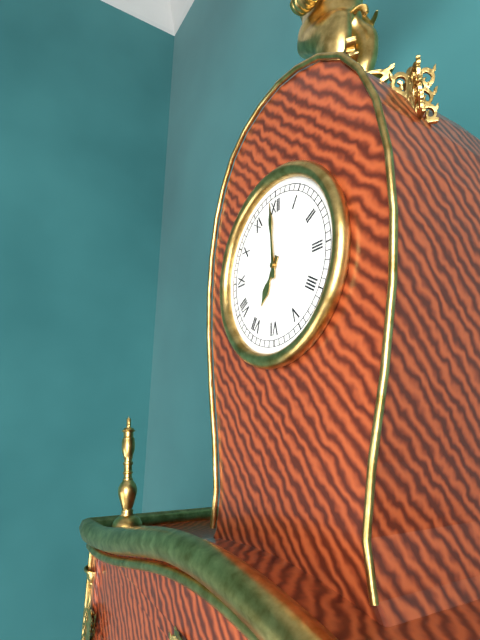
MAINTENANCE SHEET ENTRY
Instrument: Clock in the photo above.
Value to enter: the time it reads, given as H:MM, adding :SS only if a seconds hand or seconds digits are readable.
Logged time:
6:59
